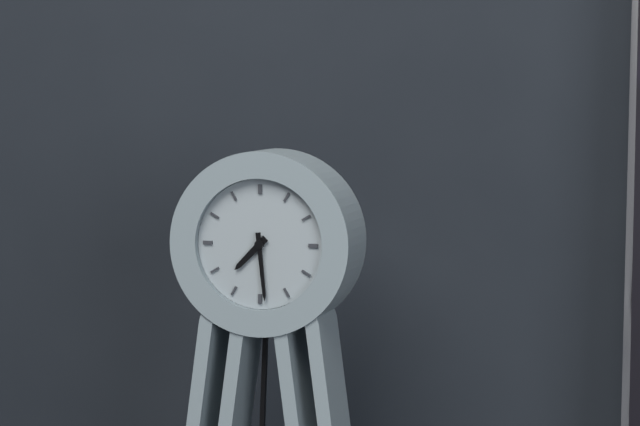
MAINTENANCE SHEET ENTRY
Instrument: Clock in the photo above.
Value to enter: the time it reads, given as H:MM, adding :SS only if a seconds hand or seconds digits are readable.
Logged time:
7:29
